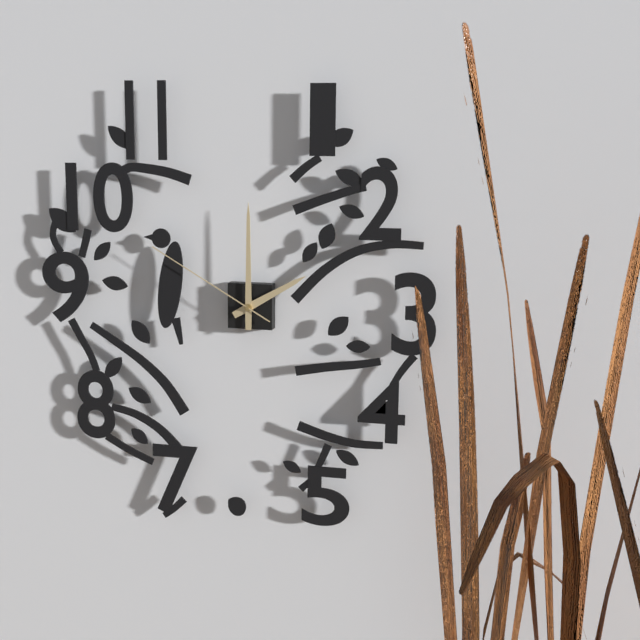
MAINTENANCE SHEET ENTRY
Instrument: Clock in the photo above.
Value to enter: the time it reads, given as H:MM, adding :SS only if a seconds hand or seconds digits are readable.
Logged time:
2:00:50
